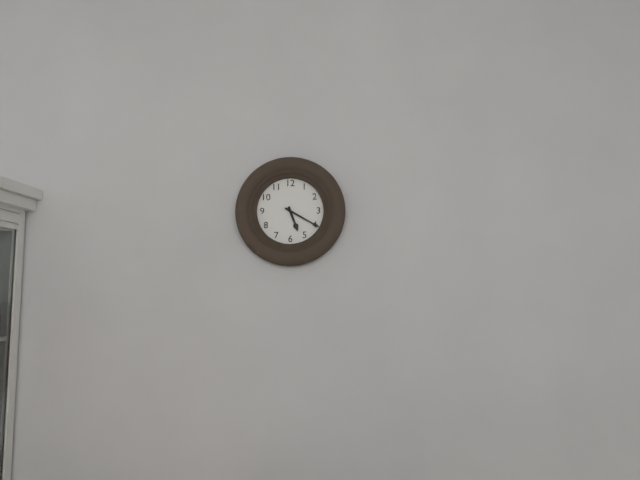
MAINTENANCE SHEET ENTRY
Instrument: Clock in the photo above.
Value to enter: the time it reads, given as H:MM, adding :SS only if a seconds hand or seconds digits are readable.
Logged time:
5:20
